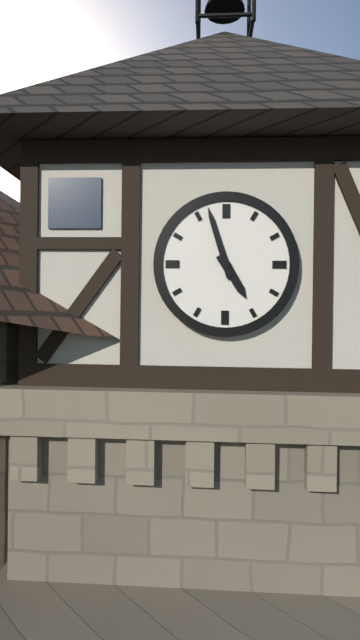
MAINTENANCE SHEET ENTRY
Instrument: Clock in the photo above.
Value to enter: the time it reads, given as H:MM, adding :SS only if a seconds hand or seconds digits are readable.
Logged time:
4:57
